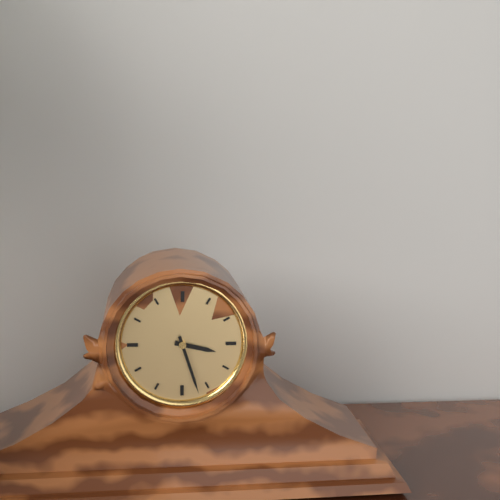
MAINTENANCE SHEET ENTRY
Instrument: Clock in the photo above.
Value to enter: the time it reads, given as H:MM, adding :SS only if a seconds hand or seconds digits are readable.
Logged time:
3:27
